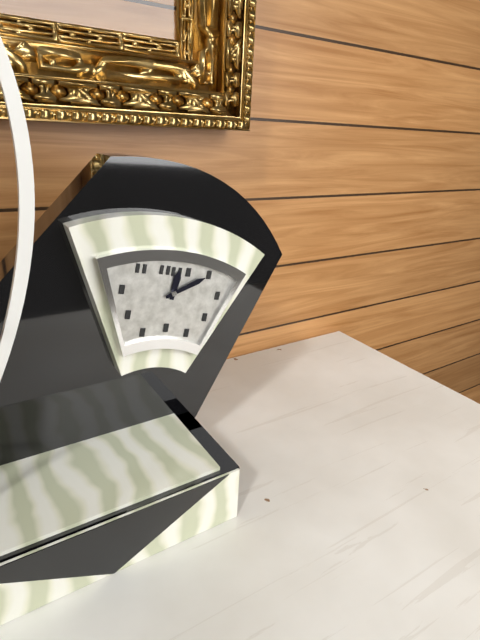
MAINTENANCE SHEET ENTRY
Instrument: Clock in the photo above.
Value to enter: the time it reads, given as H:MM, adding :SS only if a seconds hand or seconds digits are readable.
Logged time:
12:10
